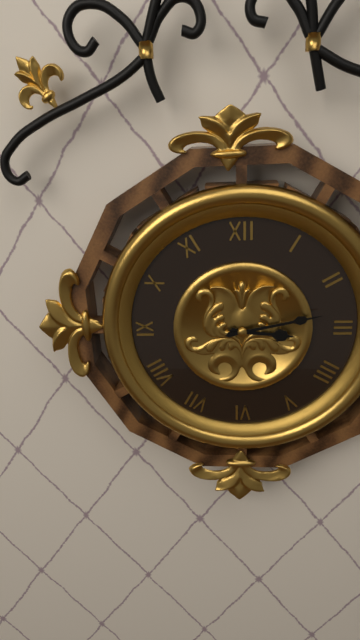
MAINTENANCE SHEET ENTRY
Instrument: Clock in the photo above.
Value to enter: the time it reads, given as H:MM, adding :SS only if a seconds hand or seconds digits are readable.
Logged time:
3:13
